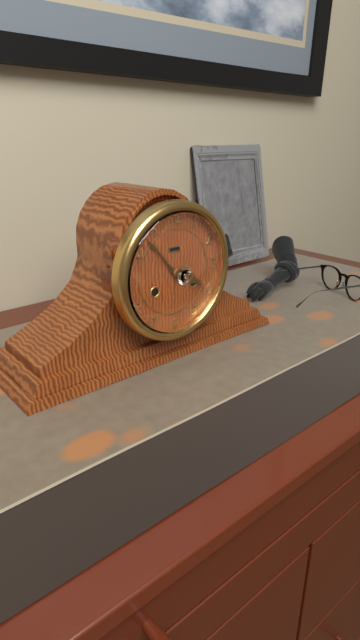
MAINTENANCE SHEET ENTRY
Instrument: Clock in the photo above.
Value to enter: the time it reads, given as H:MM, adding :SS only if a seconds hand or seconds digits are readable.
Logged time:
3:53
